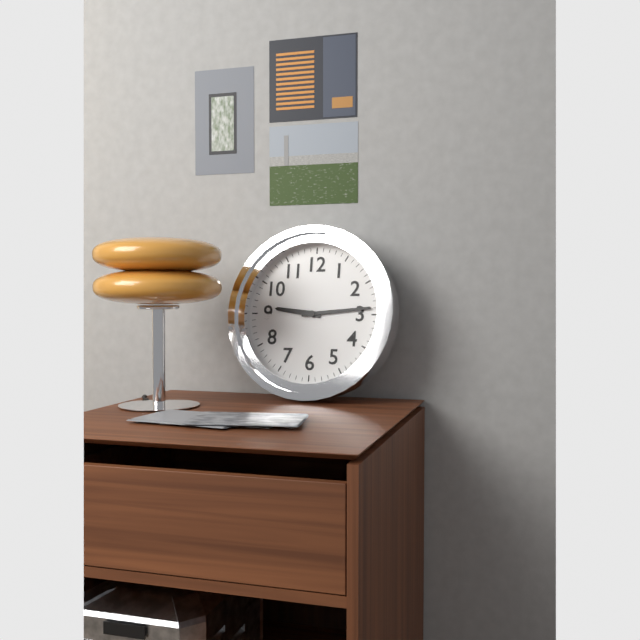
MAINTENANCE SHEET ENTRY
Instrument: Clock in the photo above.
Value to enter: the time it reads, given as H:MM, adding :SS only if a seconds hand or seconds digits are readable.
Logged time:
9:14
